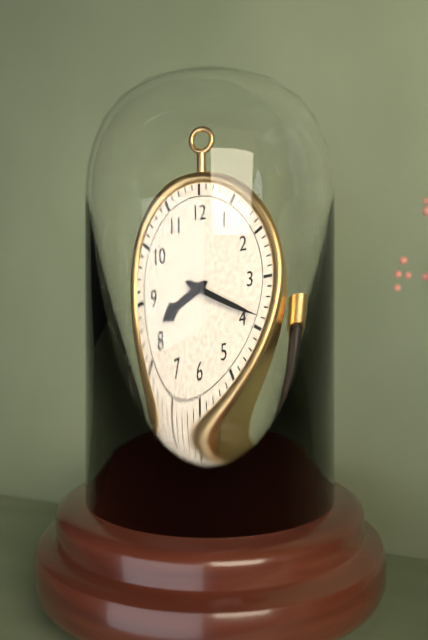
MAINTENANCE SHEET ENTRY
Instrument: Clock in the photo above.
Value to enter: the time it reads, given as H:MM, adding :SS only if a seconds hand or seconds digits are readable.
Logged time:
8:19
